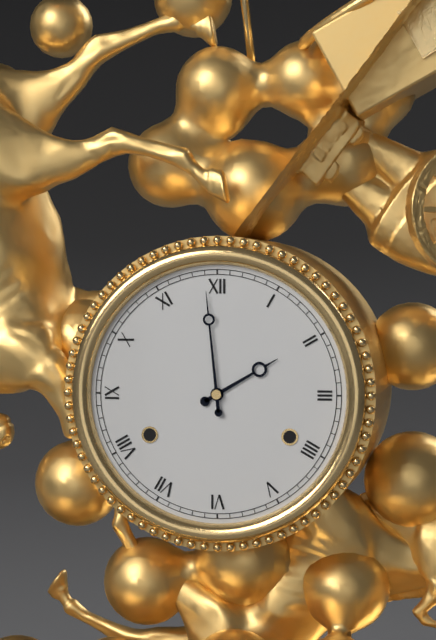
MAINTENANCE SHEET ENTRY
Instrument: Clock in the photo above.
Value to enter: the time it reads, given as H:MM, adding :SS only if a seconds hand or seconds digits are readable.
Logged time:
1:59
